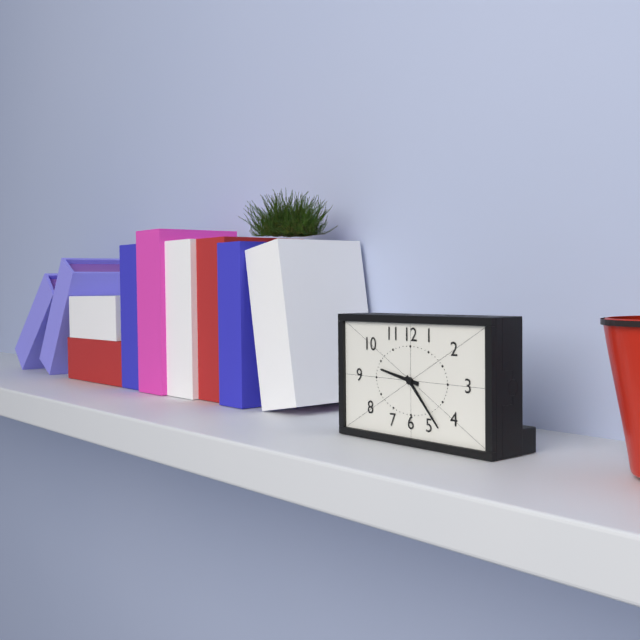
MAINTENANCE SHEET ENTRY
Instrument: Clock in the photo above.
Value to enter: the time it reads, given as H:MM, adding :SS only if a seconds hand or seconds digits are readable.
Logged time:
9:23
